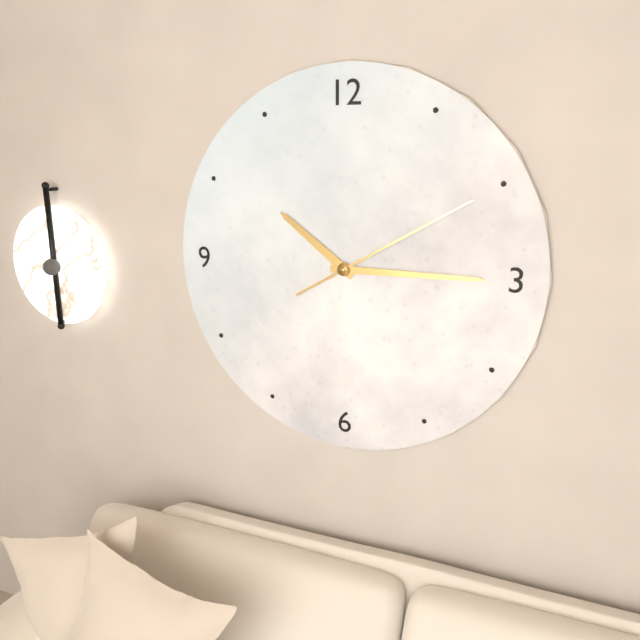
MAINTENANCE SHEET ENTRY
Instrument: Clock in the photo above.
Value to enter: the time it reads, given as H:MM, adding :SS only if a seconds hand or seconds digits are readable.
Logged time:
10:15:10
